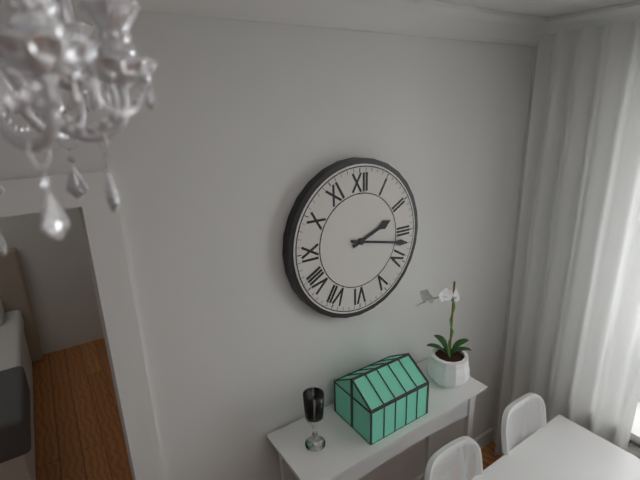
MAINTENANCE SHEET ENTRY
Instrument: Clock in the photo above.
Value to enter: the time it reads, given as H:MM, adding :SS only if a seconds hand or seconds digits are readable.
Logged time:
2:17
